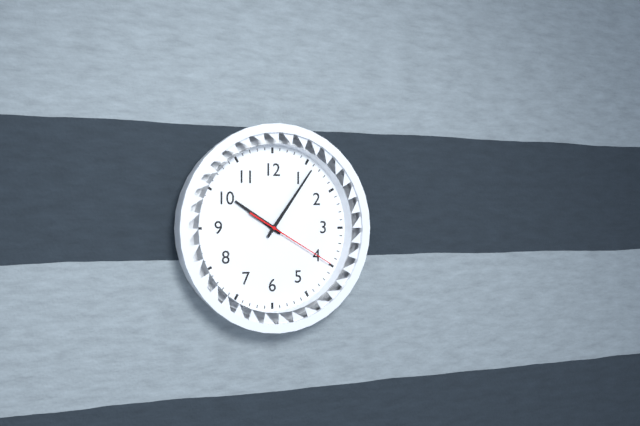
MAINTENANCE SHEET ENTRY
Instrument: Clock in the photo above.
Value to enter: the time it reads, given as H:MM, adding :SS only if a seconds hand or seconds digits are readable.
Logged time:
10:06:20
